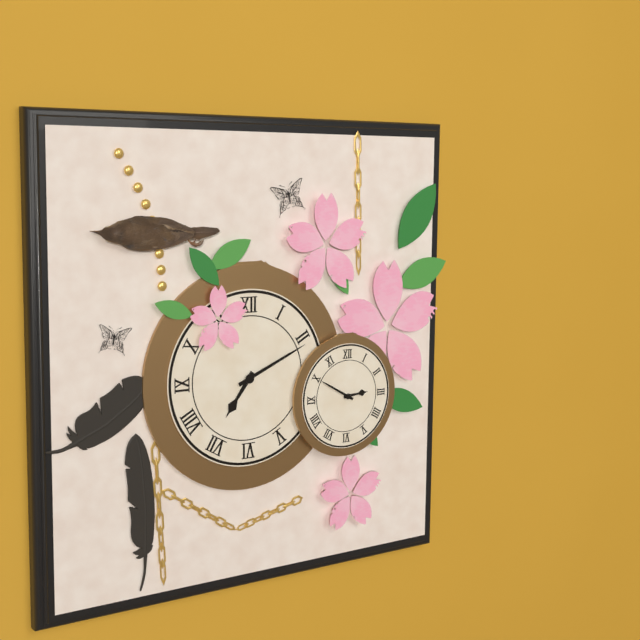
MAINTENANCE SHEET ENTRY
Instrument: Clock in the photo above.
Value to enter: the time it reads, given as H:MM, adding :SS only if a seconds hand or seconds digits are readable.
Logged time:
7:11
